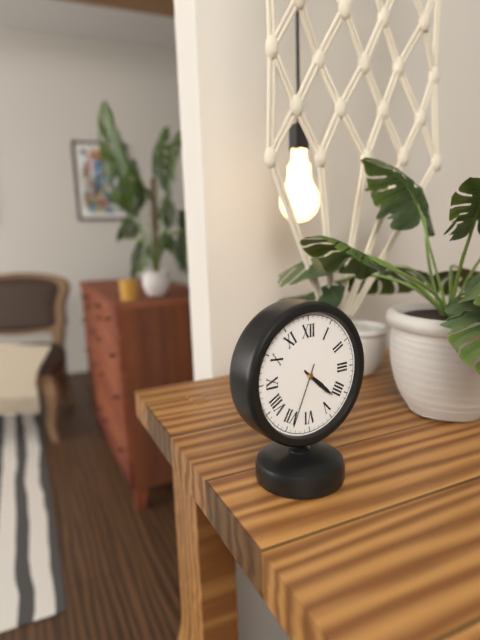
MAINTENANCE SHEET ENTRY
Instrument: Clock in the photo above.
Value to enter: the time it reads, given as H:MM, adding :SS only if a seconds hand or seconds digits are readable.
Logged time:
4:22:34
